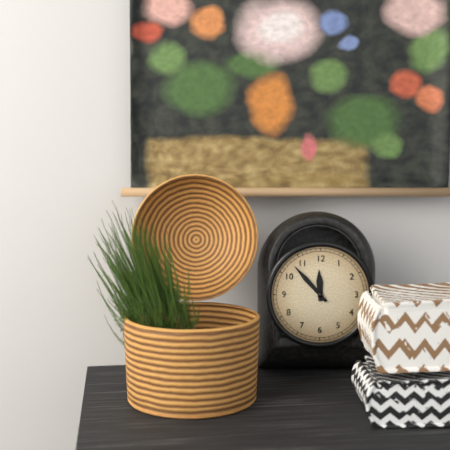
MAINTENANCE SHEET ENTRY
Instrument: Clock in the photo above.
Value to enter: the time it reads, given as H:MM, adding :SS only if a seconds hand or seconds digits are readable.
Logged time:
11:53
